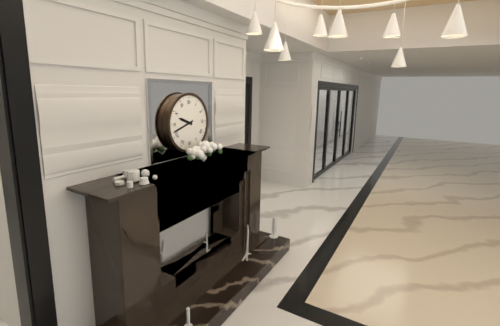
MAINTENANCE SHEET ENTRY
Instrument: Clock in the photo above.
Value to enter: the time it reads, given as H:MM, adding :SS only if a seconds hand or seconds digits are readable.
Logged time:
9:42
